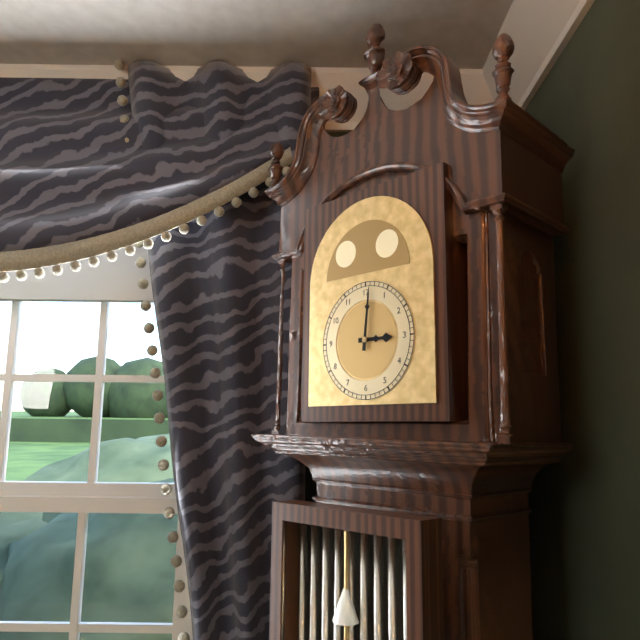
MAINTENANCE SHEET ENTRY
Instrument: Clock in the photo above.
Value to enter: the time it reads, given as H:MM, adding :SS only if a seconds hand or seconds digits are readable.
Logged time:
3:01
